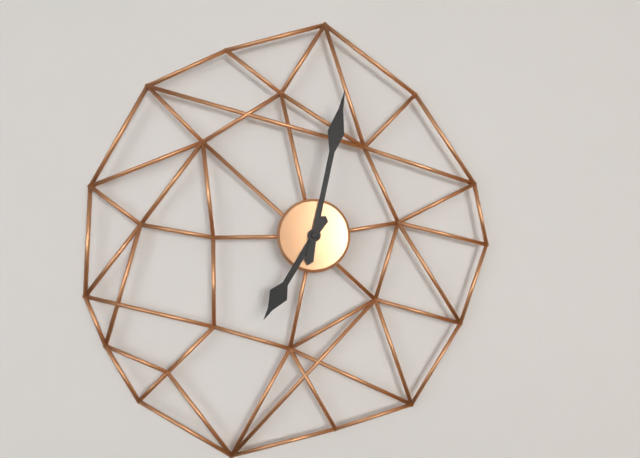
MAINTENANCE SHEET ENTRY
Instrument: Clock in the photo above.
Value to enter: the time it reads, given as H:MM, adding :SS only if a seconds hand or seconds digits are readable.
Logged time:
7:02
